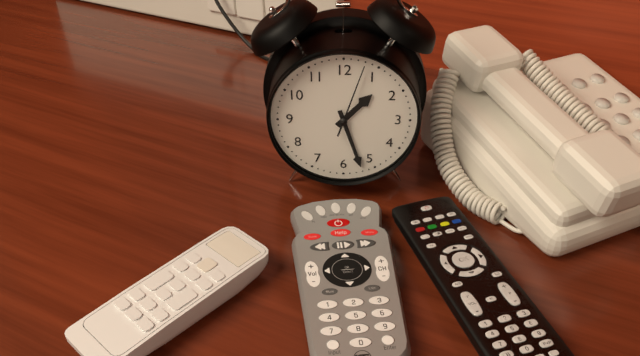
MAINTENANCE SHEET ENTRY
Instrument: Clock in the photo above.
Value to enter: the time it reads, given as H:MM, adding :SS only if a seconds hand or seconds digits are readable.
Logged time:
1:27:03
